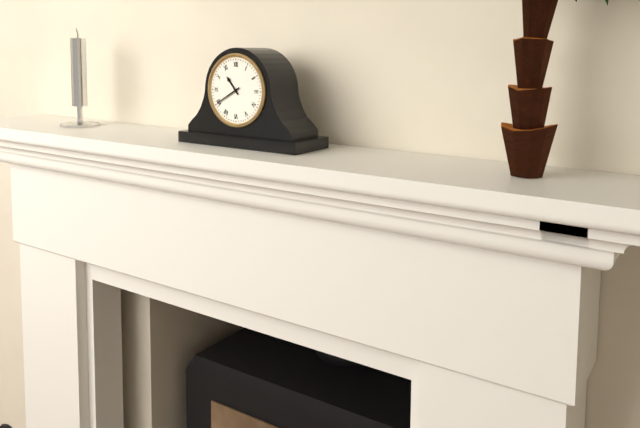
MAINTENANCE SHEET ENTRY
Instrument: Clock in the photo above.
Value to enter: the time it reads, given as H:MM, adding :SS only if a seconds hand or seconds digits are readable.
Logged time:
10:40
